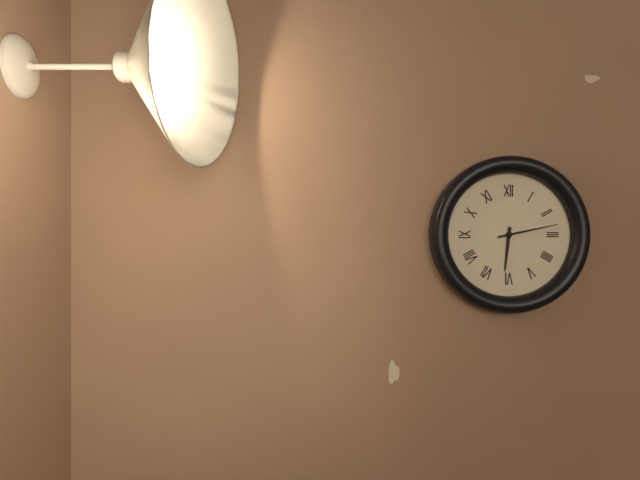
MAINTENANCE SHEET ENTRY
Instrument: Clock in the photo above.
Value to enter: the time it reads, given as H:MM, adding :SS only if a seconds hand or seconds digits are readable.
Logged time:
6:13
